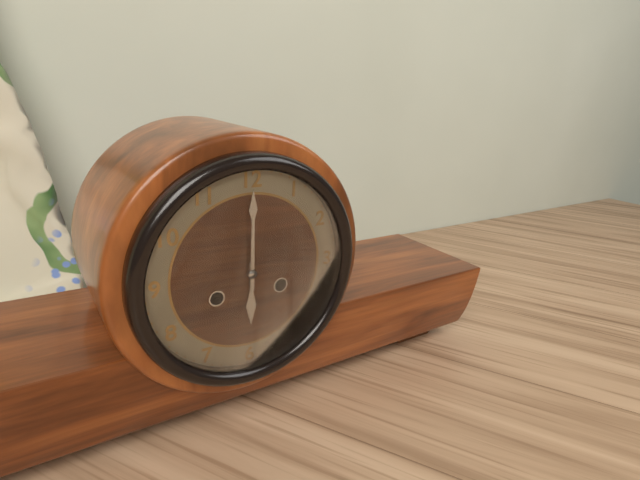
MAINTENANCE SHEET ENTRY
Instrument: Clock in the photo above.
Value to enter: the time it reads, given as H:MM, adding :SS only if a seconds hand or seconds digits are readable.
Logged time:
6:00
